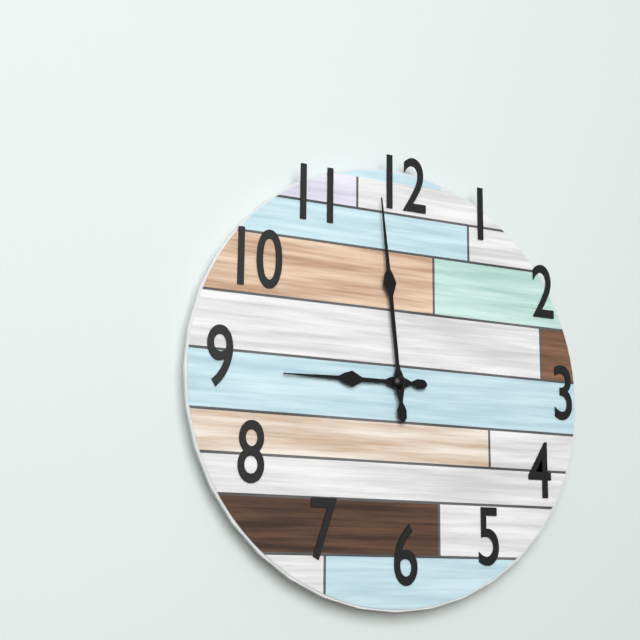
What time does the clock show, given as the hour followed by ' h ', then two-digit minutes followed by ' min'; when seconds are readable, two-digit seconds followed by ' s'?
8 h 59 min
